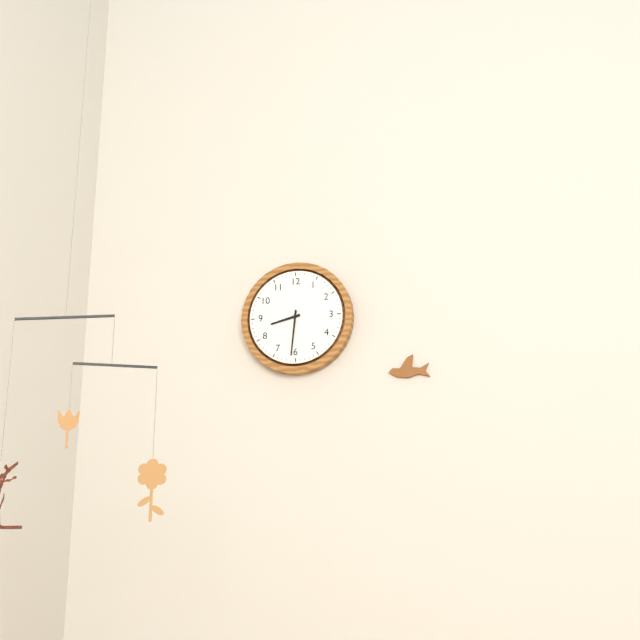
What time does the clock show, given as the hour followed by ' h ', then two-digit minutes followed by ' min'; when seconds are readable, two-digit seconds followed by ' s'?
8 h 31 min
